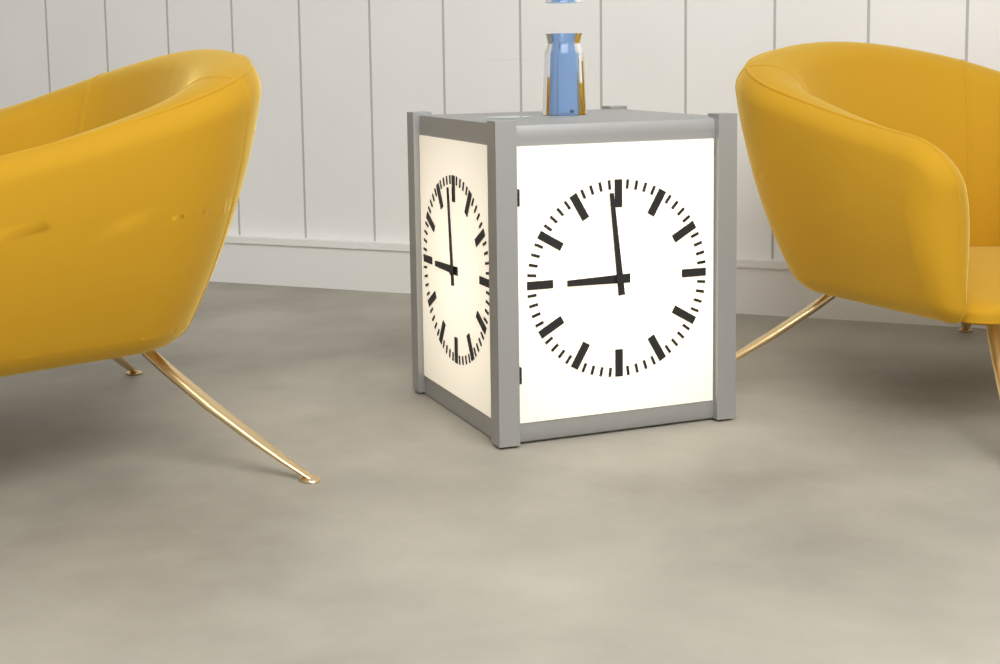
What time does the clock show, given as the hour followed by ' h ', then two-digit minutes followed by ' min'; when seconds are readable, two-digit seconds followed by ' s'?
8 h 59 min
